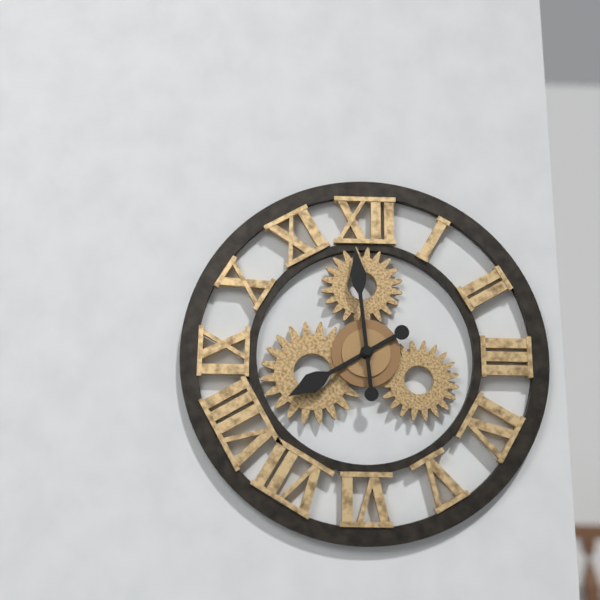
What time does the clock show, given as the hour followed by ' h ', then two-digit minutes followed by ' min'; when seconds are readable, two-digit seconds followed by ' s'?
7 h 59 min
